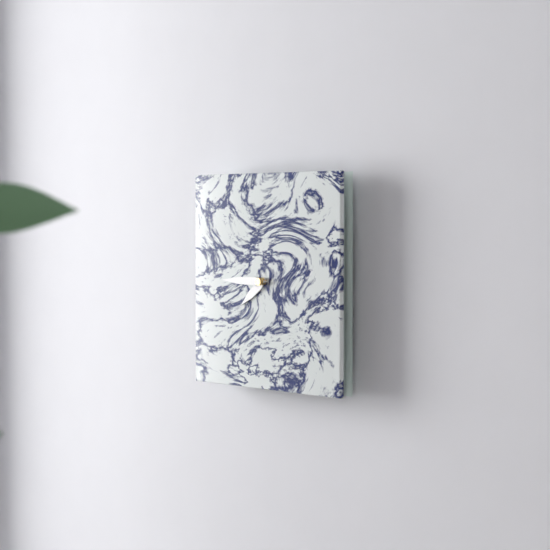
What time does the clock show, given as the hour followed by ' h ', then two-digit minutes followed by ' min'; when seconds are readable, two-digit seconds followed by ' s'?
7 h 45 min
